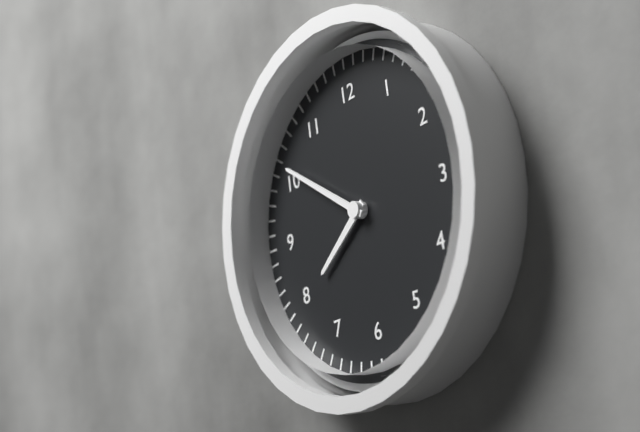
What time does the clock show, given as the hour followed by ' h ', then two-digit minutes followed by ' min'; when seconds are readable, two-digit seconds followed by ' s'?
7 h 51 min
